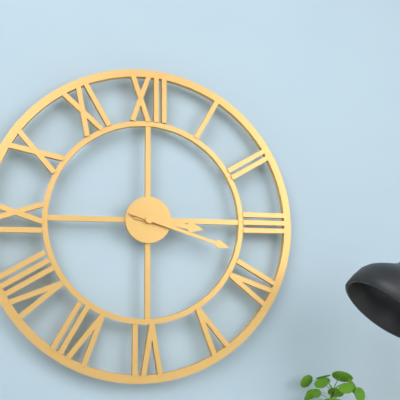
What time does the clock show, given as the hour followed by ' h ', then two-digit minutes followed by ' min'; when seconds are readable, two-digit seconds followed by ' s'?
3 h 18 min
